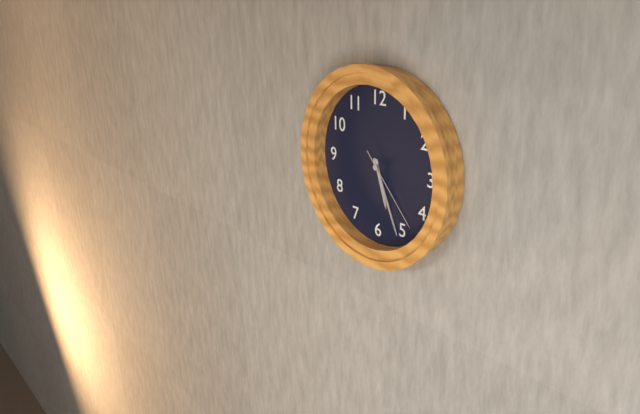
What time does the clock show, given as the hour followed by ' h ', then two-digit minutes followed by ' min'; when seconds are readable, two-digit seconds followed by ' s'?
5 h 26 min 23 s
